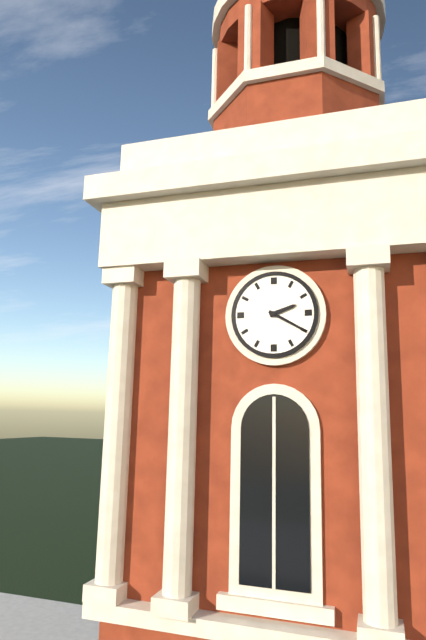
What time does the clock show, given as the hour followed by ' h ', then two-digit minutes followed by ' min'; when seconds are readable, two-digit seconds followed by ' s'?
2 h 20 min
